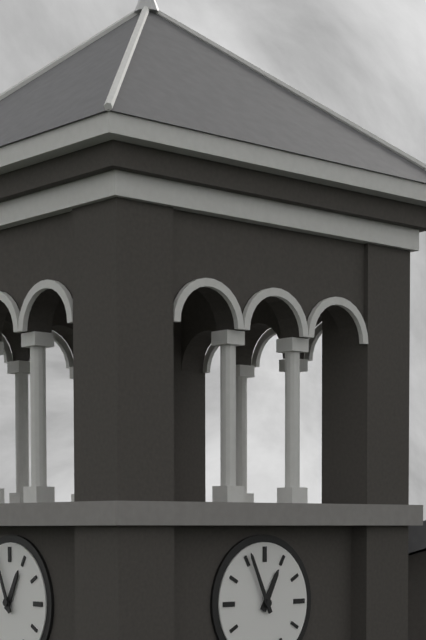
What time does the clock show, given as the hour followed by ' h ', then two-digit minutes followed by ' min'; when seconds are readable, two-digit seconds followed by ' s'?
12 h 56 min
